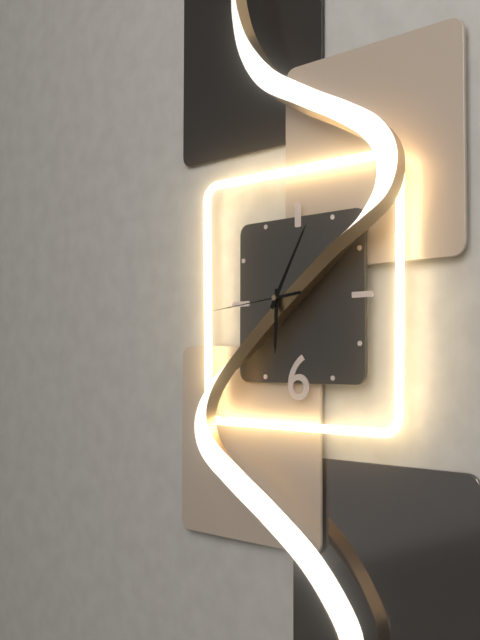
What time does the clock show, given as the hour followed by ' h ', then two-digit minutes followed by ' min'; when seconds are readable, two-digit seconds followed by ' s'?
6 h 05 min 44 s
